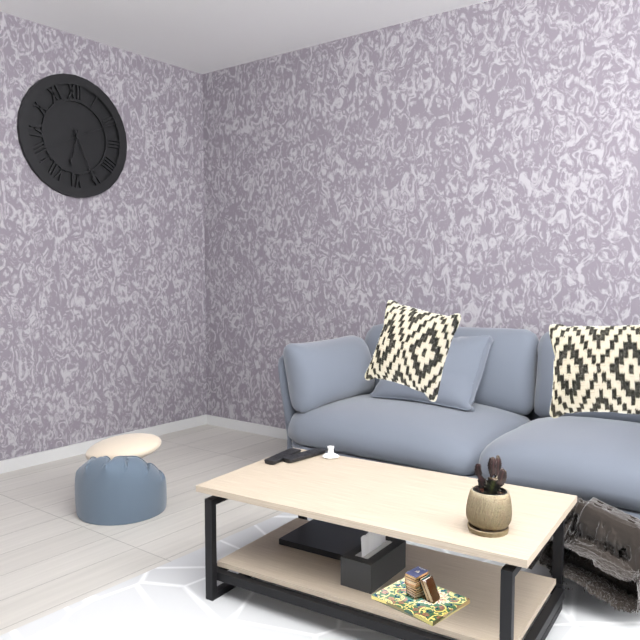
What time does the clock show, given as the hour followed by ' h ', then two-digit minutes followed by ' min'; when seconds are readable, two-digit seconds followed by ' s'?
6 h 26 min 11 s
